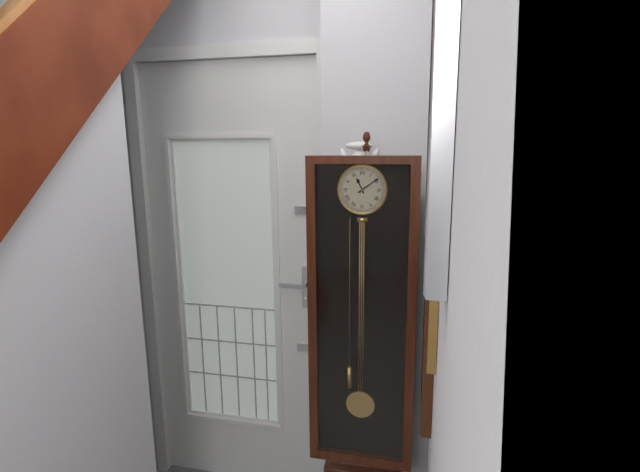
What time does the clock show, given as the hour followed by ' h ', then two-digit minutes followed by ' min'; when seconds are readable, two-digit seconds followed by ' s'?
11 h 09 min
